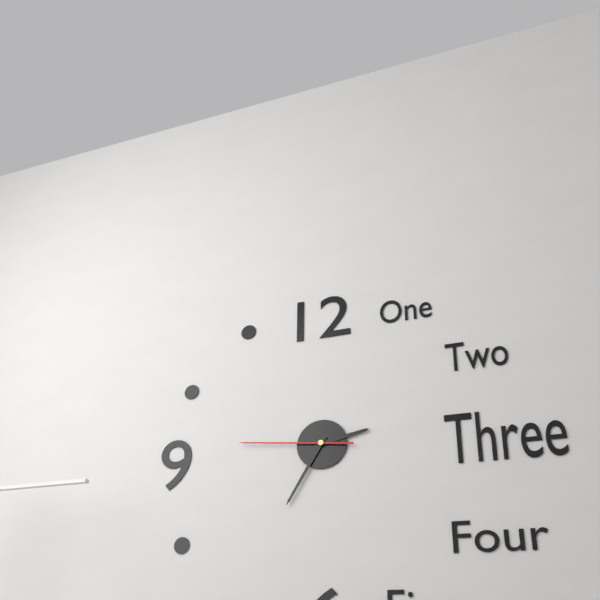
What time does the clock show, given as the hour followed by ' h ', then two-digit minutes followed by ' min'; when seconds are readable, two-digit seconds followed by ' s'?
2 h 35 min 46 s
